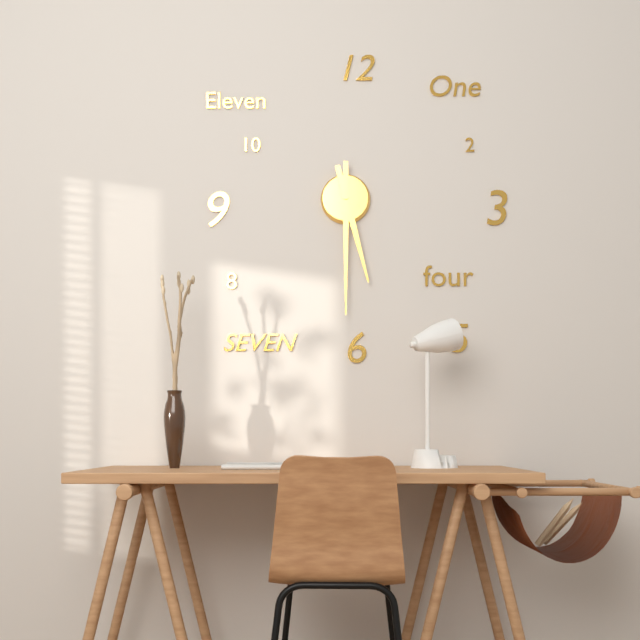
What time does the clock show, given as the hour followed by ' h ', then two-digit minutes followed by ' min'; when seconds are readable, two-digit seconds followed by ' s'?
5 h 30 min
